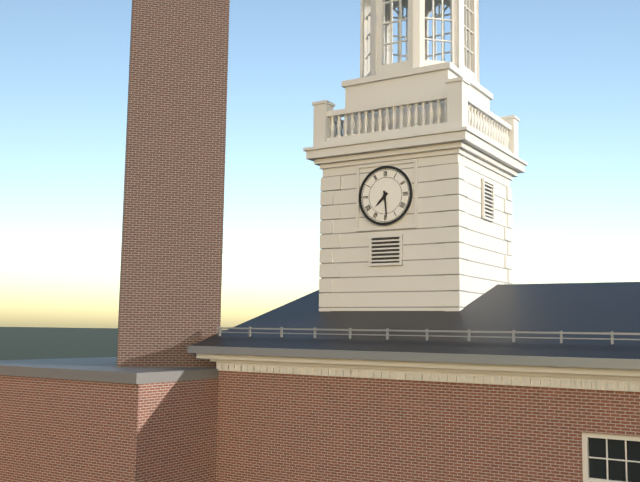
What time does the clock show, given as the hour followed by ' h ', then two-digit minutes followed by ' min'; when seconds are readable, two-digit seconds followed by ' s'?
7 h 29 min
